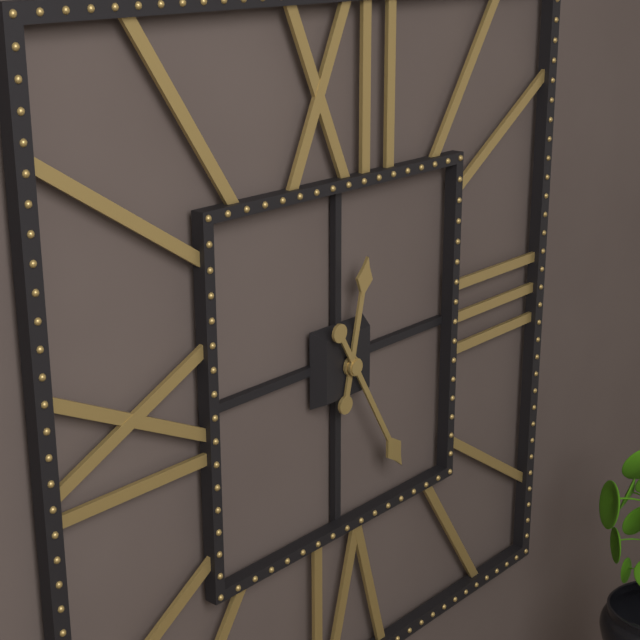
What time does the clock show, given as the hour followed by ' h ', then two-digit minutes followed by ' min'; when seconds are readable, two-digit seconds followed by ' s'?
12 h 25 min
